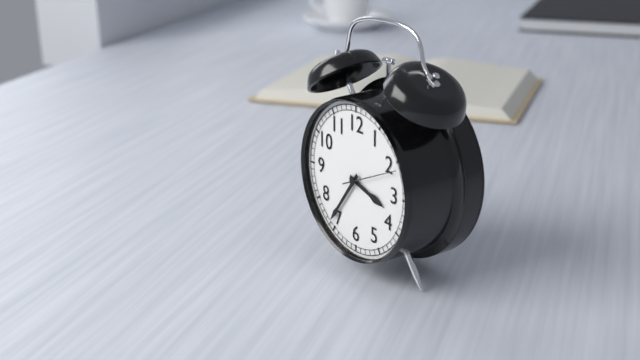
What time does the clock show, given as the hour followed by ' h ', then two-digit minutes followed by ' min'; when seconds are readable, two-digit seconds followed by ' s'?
3 h 36 min 11 s
